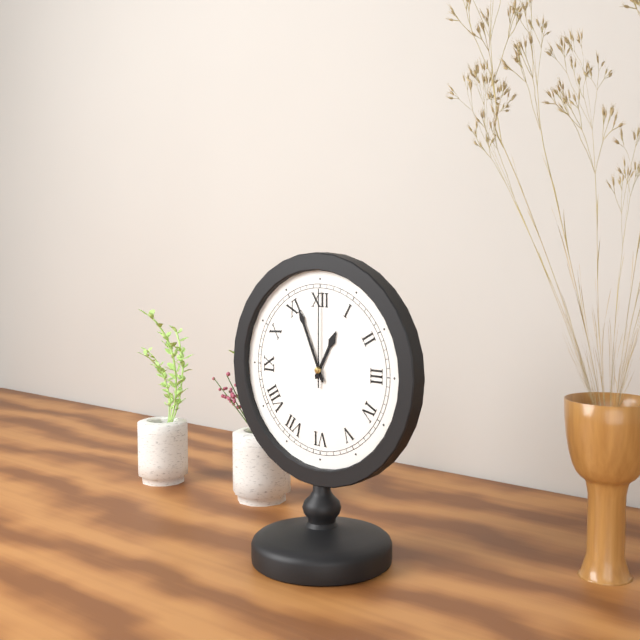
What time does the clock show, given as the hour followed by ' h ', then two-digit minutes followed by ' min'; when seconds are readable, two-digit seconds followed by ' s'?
12 h 56 min 00 s
